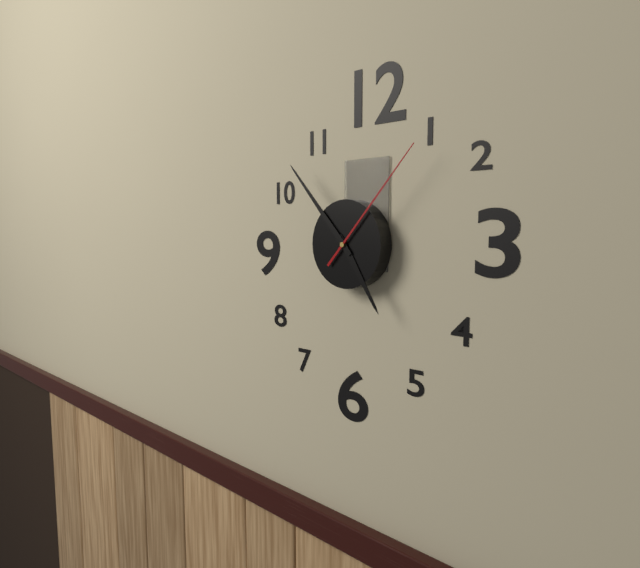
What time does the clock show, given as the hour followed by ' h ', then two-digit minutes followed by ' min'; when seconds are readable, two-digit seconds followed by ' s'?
4 h 53 min 07 s
